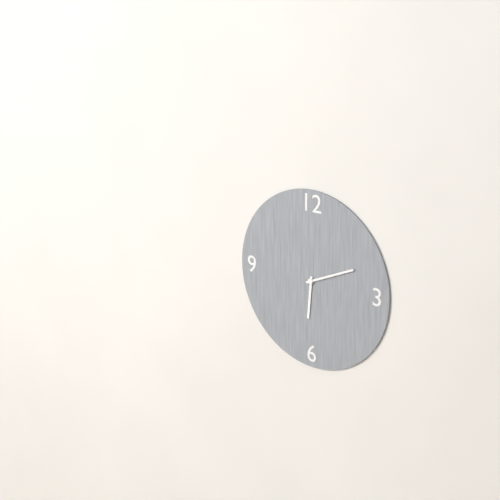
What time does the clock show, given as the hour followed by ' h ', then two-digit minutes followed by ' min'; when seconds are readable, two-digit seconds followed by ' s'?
6 h 11 min
